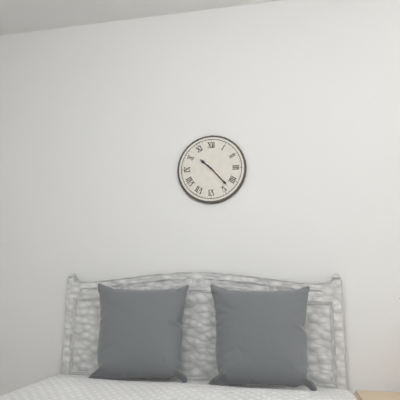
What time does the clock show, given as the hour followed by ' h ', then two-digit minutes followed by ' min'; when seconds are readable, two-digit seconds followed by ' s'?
10 h 23 min
